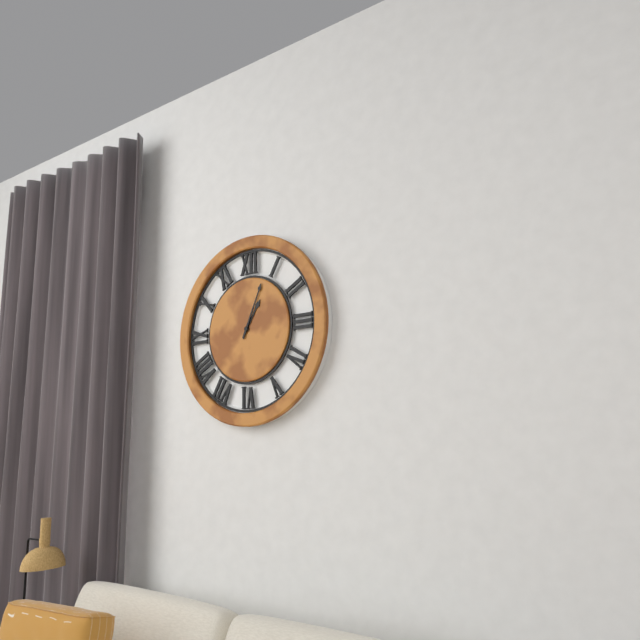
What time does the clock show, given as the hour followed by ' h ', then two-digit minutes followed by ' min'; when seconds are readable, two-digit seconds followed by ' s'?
1 h 04 min
